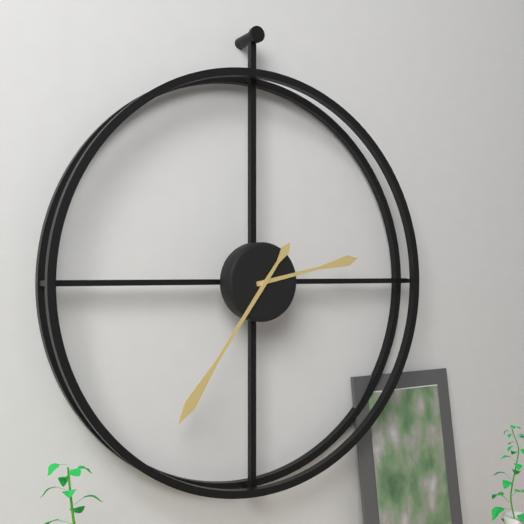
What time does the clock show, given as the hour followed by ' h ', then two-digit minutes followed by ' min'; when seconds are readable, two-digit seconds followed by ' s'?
2 h 36 min
